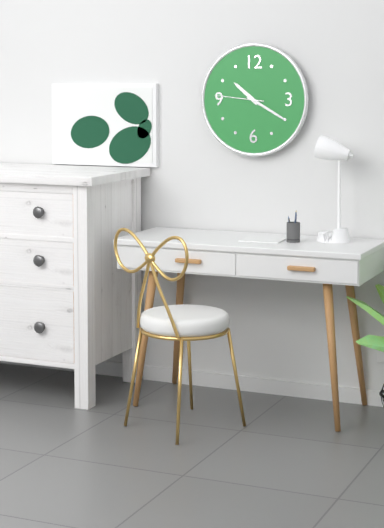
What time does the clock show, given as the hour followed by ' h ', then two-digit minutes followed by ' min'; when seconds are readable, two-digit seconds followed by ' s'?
10 h 20 min 46 s
